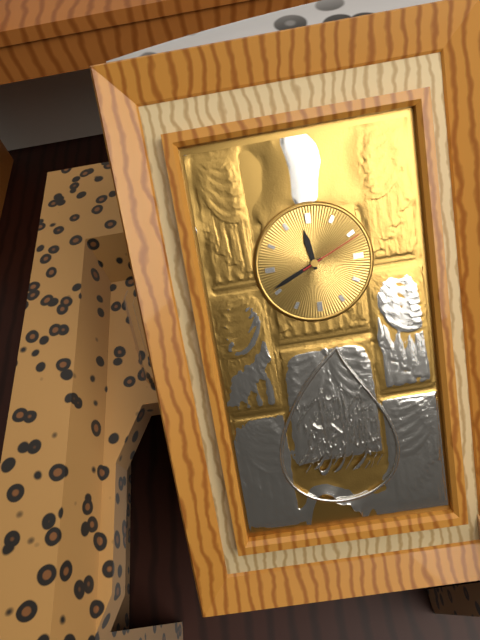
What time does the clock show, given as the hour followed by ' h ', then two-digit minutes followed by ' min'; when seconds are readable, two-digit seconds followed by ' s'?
11 h 41 min 11 s
